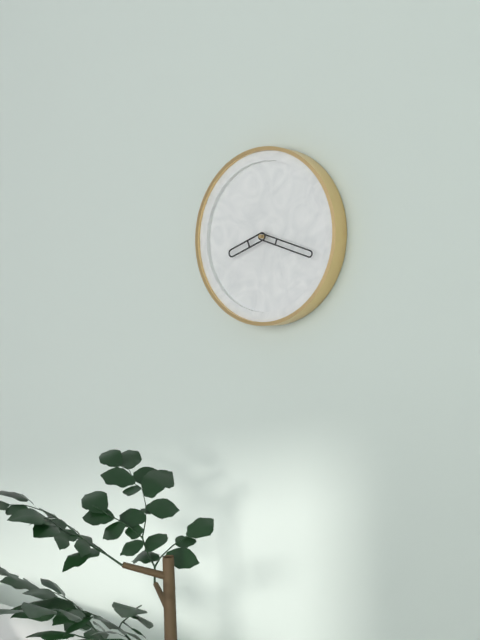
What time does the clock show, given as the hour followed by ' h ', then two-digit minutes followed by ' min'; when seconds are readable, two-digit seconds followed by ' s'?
8 h 18 min
